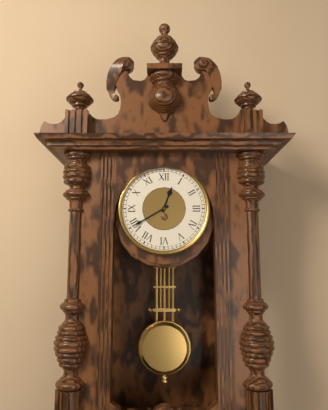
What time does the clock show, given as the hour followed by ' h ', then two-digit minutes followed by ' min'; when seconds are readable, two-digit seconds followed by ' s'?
12 h 40 min
